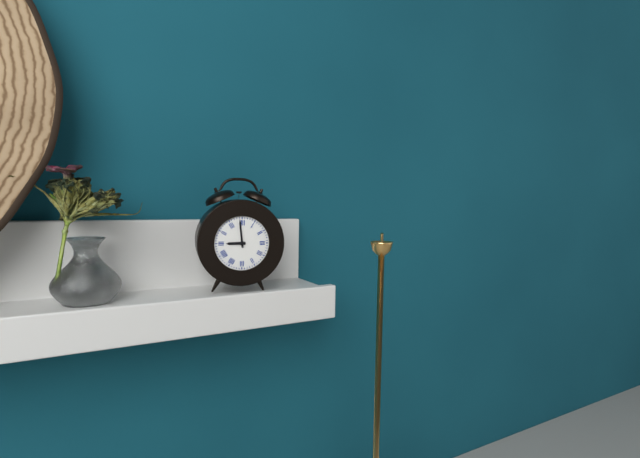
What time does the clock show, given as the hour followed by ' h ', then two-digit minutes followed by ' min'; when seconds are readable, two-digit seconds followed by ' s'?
8 h 59 min
